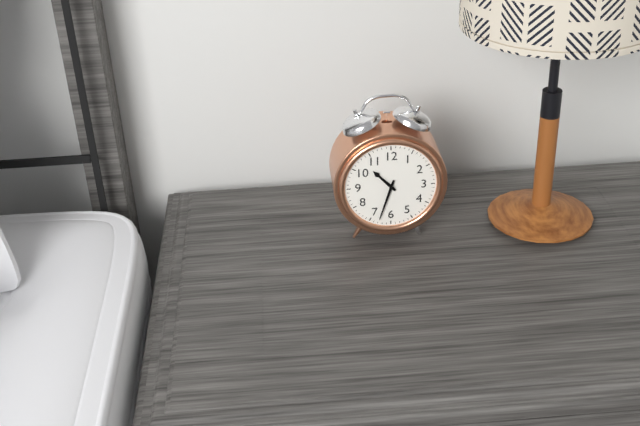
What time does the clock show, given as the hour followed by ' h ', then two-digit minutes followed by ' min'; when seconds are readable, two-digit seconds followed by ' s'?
10 h 33 min
